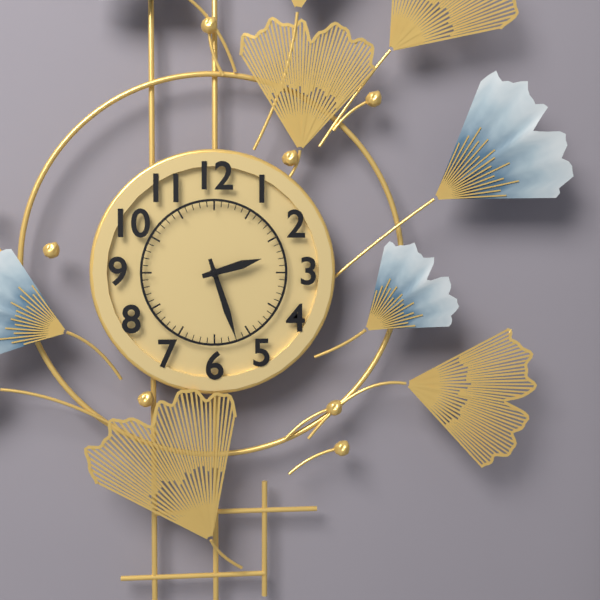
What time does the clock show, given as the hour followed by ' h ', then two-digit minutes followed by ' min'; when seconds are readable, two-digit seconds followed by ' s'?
2 h 27 min
